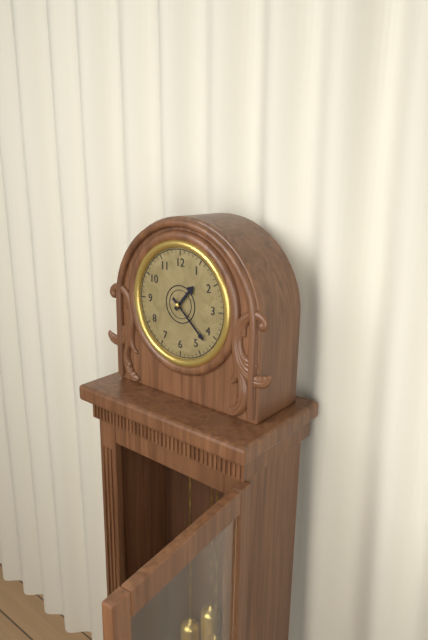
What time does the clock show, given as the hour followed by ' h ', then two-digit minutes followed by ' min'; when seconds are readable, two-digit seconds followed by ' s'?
1 h 22 min
